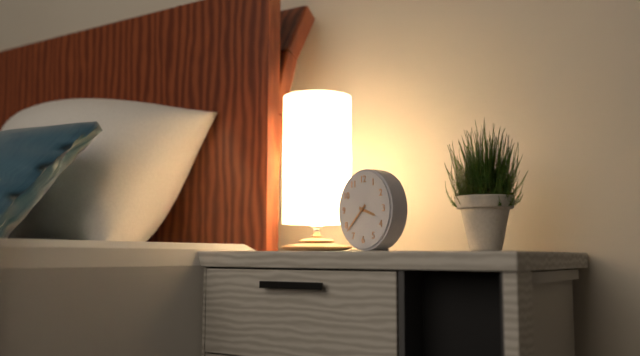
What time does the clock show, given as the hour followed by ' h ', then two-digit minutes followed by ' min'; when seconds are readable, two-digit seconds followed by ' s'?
3 h 38 min
